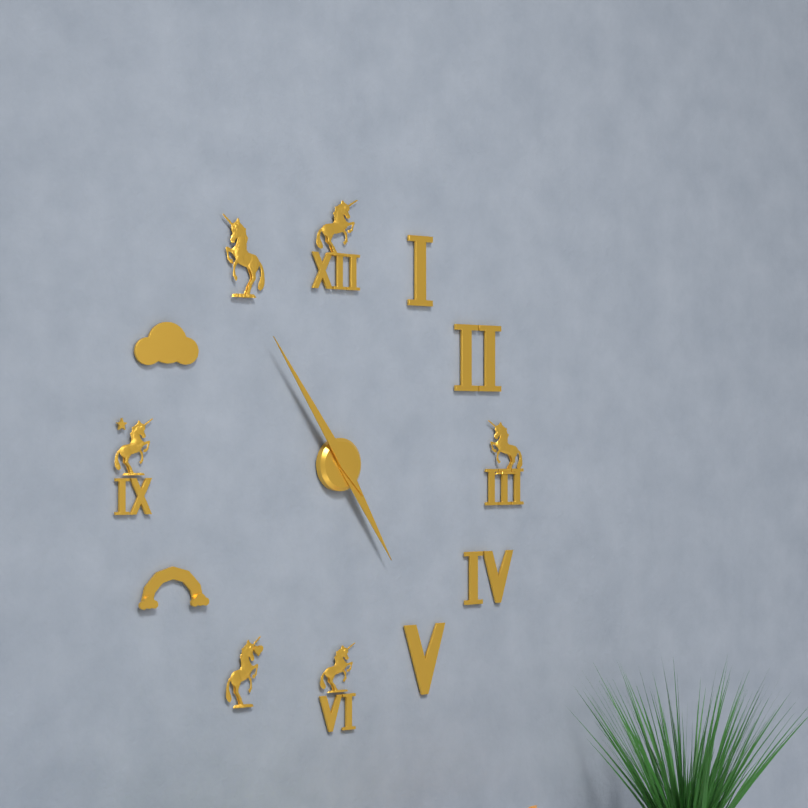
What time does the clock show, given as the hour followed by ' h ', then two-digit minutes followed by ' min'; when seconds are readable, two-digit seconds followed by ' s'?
4 h 54 min
